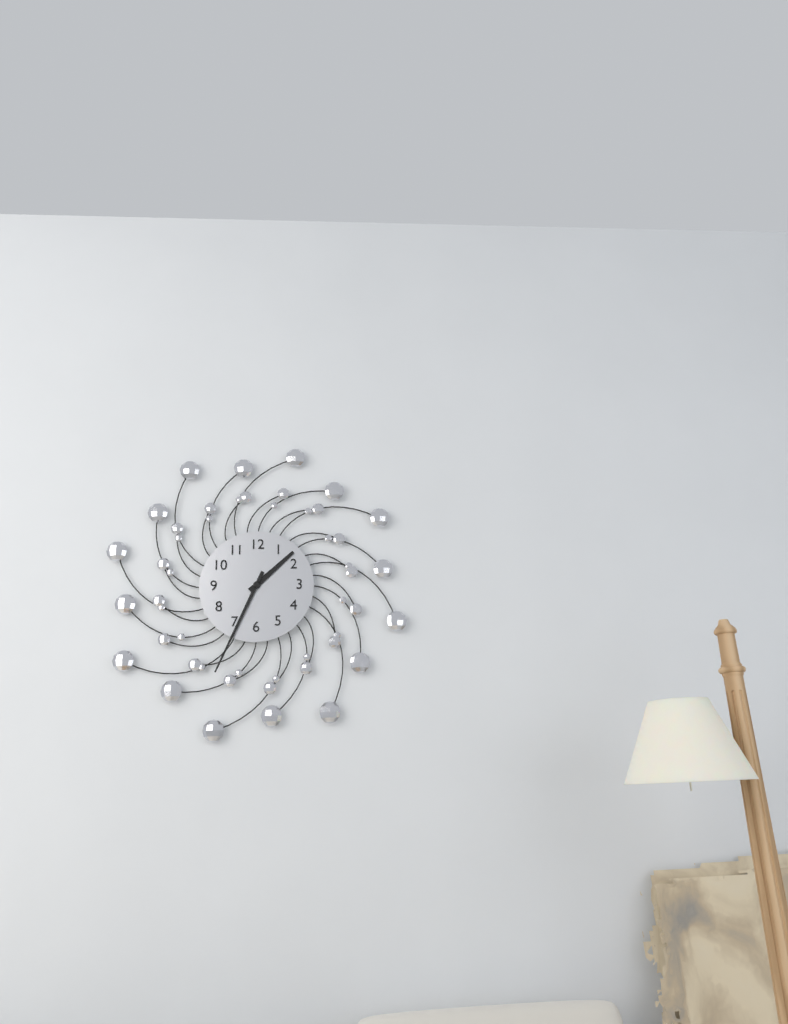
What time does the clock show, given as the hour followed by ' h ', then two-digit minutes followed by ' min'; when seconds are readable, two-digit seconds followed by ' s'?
1 h 34 min
